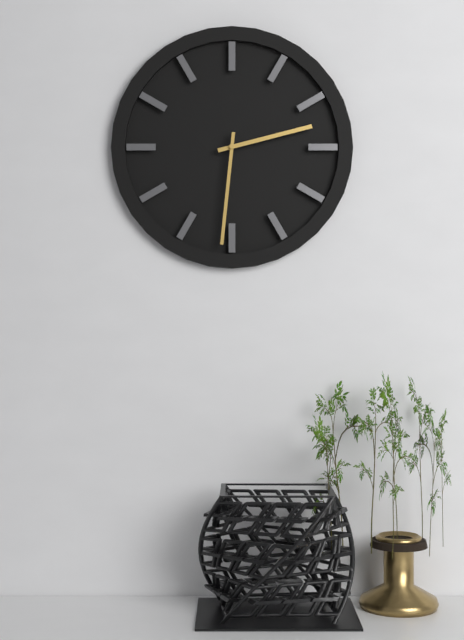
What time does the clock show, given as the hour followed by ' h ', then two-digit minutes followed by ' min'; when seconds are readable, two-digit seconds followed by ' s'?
2 h 31 min
